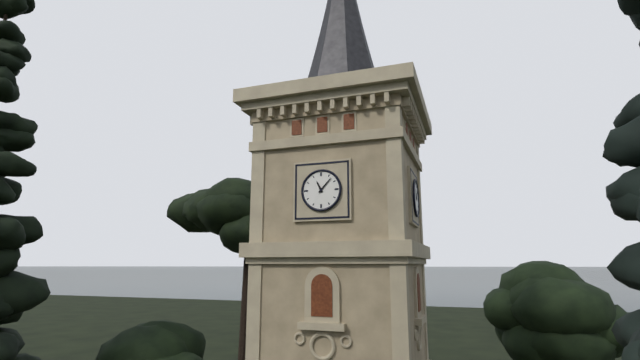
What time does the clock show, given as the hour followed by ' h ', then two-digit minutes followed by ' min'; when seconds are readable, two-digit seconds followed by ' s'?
11 h 07 min
